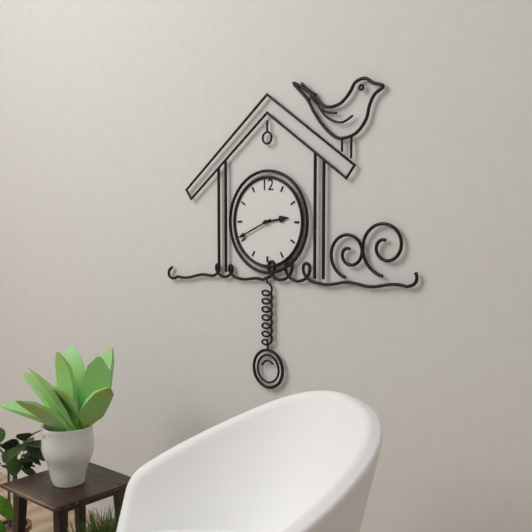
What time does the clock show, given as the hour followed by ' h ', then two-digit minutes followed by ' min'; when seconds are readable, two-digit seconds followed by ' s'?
2 h 41 min
